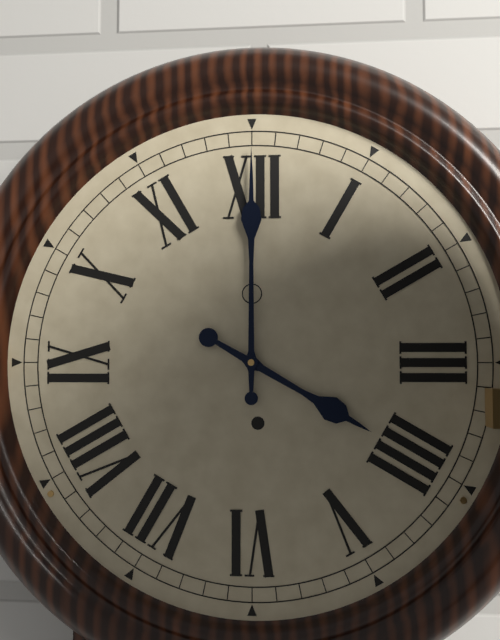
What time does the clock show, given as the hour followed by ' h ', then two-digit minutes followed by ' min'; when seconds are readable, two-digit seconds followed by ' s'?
4 h 00 min
